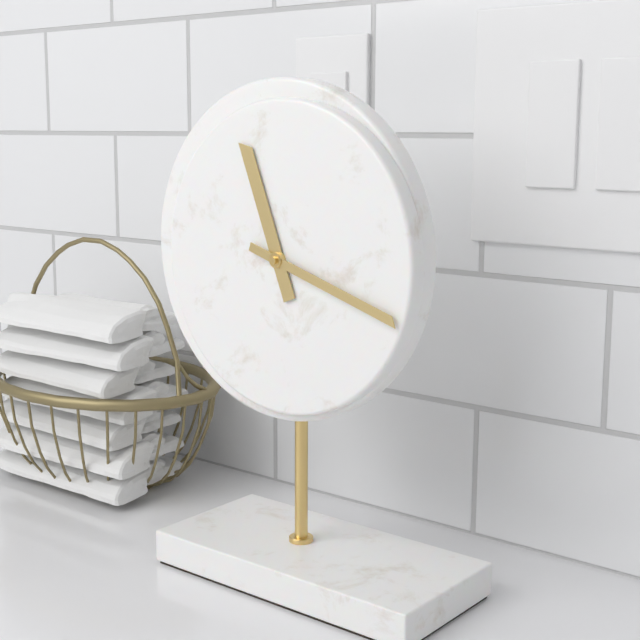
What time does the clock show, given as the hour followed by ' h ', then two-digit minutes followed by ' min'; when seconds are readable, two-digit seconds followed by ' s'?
11 h 18 min
